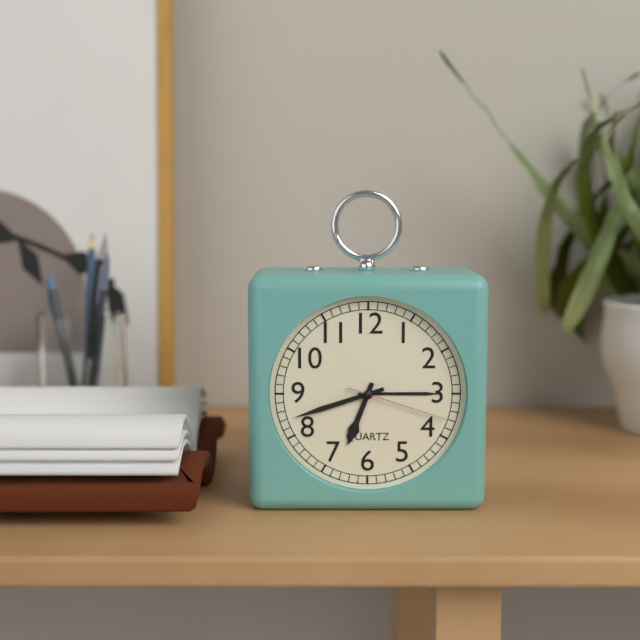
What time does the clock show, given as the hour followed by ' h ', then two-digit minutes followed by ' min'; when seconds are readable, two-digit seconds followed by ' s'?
6 h 42 min 18 s
